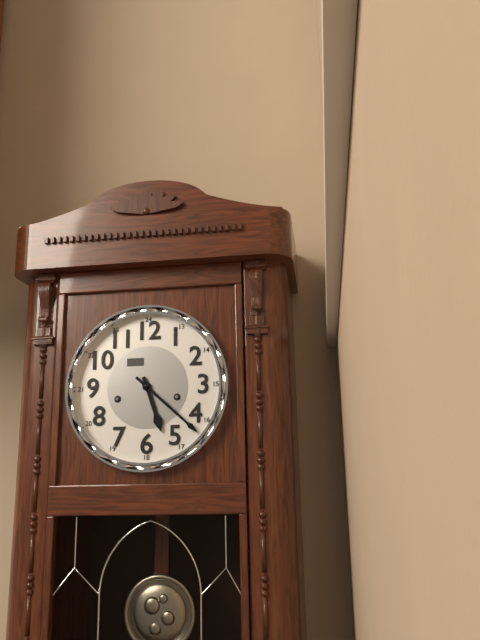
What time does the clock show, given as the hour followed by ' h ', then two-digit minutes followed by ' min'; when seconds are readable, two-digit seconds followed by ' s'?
5 h 22 min
